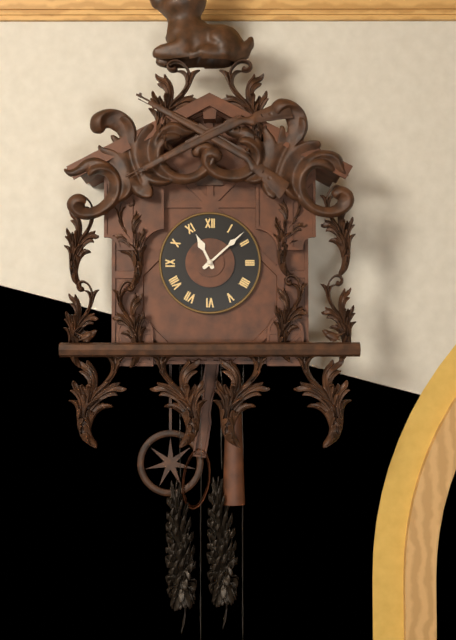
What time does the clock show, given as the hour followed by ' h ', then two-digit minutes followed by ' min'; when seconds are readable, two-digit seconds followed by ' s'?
11 h 08 min
